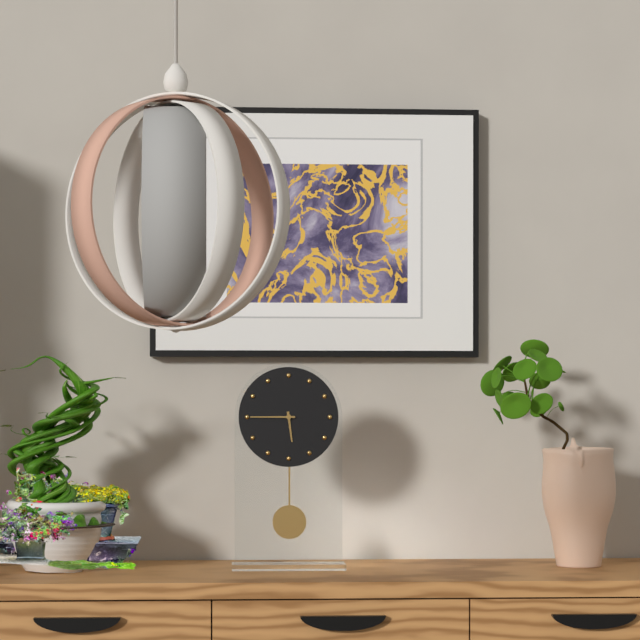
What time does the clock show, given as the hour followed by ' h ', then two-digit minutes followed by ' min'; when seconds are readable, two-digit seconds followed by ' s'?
5 h 45 min
